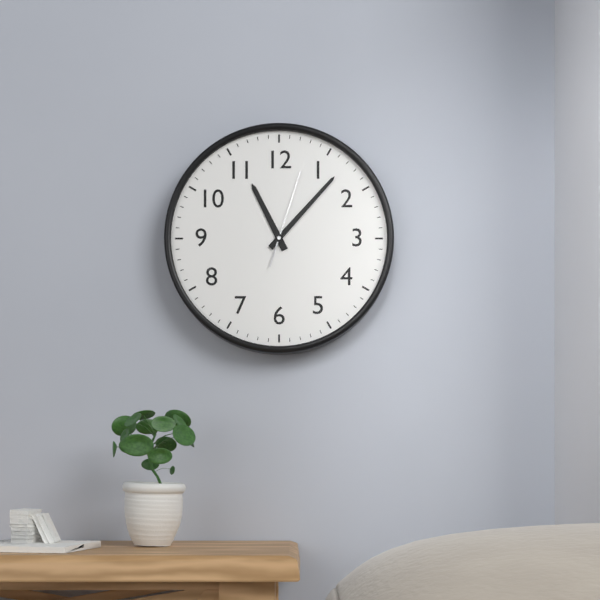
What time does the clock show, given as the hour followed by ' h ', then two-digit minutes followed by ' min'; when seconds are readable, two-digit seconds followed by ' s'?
11 h 07 min 03 s
